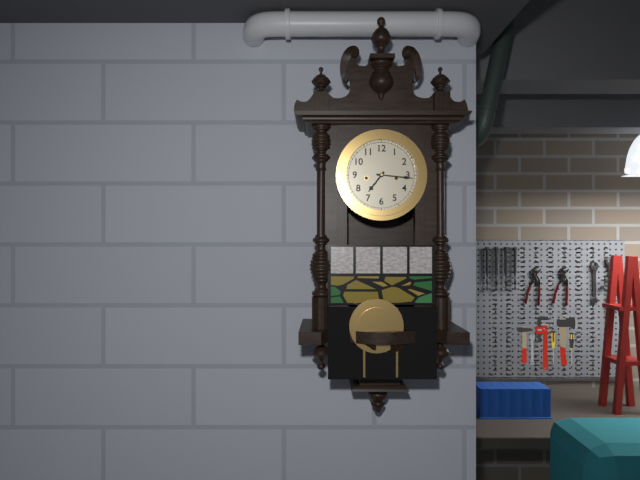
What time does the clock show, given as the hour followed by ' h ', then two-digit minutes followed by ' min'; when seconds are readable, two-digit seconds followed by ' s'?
7 h 16 min
